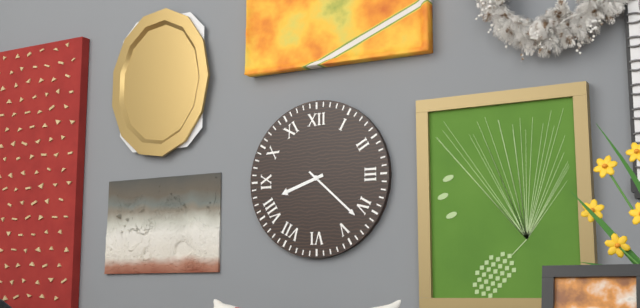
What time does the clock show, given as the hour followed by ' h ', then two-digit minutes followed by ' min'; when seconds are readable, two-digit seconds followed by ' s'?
8 h 22 min
